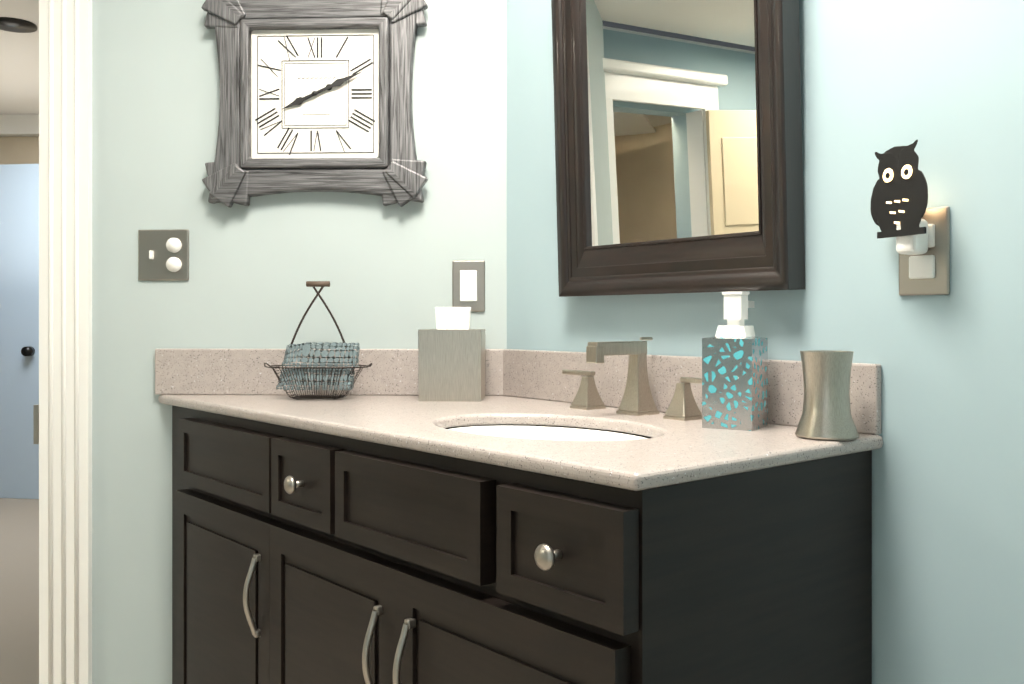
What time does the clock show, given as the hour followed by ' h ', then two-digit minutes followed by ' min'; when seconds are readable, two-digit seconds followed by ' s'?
8 h 11 min
